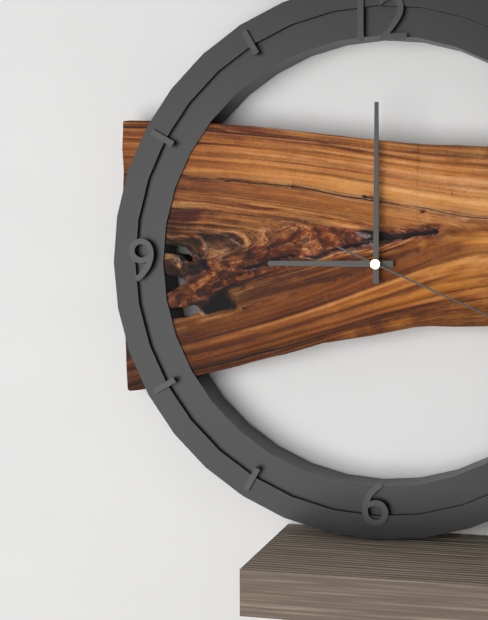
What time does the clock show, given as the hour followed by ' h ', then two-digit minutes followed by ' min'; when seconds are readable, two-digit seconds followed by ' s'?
9 h 00 min
